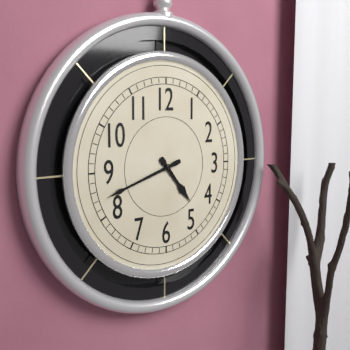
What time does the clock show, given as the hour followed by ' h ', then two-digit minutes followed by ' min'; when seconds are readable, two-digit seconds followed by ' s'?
4 h 42 min
